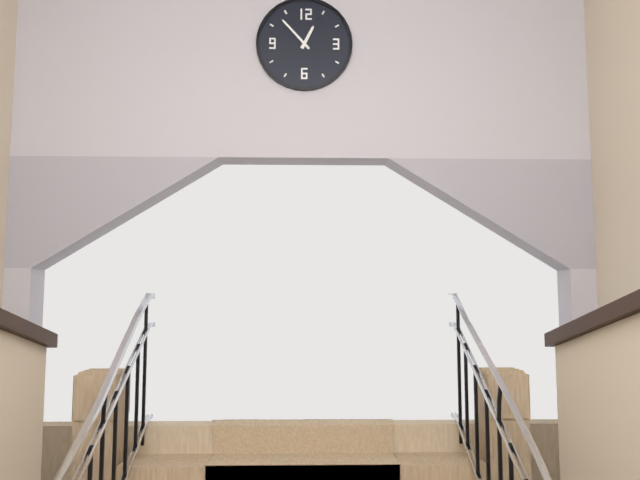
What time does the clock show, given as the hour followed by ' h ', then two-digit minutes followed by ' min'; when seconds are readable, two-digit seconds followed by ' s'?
12 h 53 min
